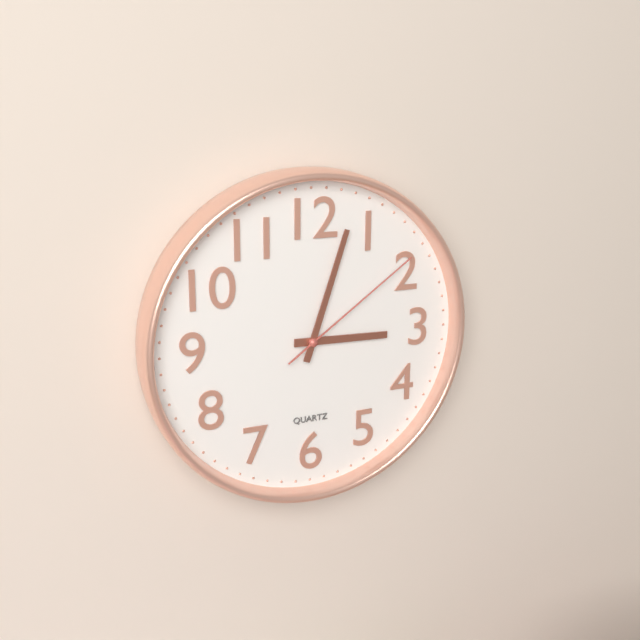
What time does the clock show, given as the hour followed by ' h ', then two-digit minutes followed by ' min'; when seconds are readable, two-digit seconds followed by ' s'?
3 h 03 min 09 s
